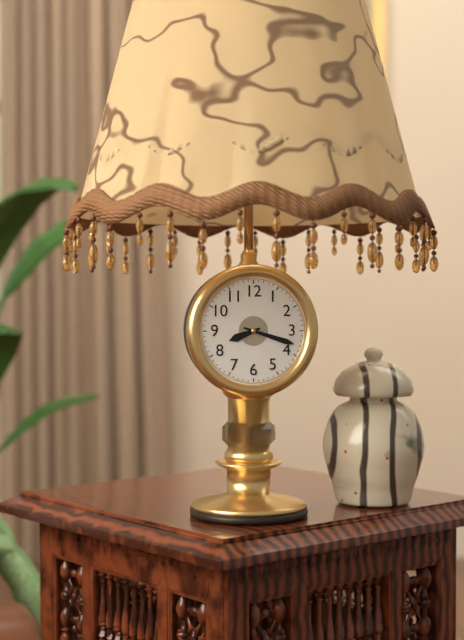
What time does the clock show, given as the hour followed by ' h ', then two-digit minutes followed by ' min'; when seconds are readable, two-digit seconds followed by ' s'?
8 h 18 min
